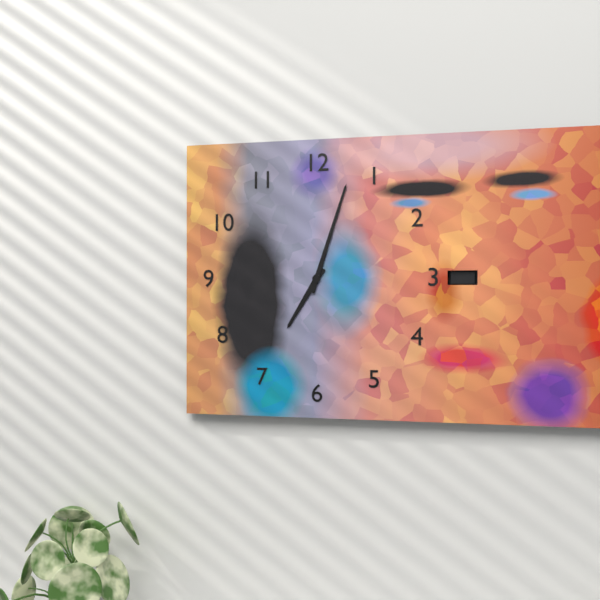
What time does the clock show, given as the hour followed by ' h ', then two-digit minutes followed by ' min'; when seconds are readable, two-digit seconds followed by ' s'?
7 h 03 min
